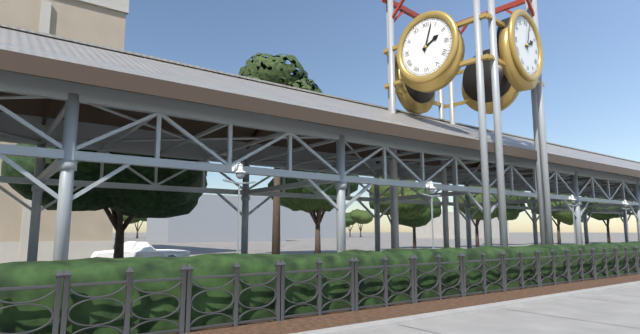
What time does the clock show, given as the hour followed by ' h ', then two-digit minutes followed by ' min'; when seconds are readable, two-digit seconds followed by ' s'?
2 h 03 min
